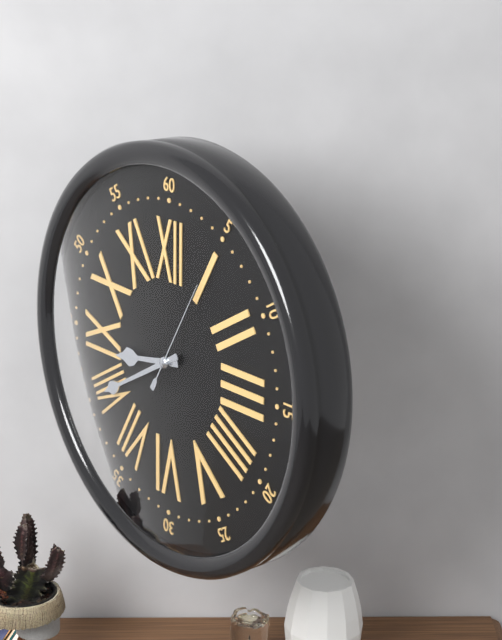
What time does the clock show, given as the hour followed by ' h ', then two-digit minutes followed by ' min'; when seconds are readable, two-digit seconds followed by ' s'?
8 h 40 min 05 s
